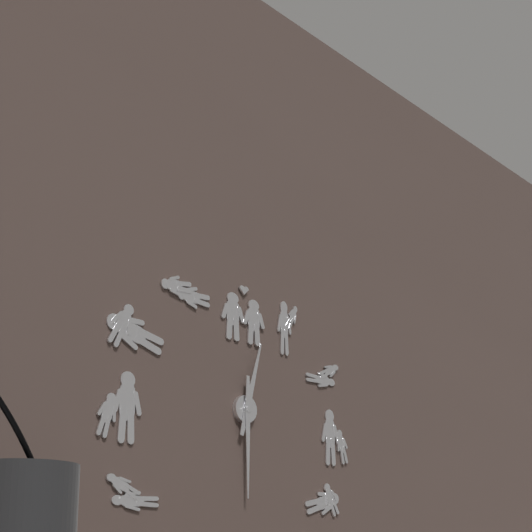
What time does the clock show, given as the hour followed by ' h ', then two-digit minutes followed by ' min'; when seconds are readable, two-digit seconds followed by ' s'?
12 h 30 min
